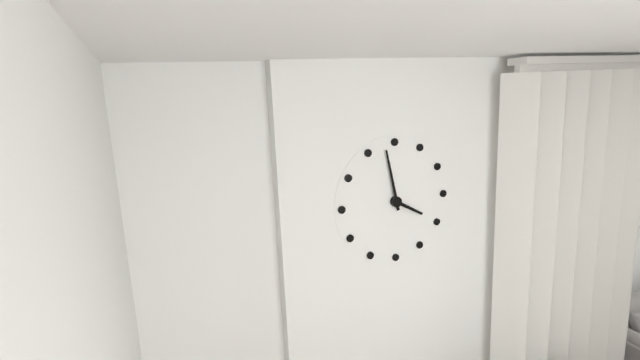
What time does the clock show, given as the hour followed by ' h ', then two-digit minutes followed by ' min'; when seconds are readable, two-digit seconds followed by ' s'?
3 h 58 min
